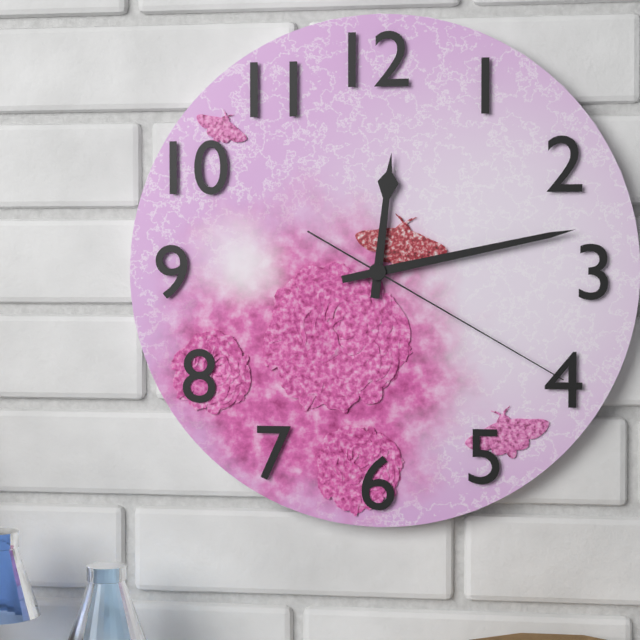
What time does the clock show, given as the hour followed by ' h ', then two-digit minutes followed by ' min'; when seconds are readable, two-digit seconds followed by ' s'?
12 h 13 min 20 s
